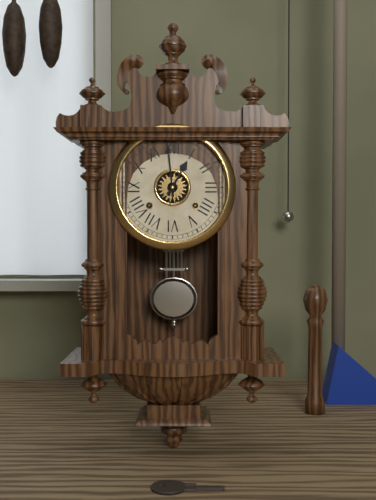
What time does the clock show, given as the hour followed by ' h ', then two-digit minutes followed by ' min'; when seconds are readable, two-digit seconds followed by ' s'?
12 h 59 min
